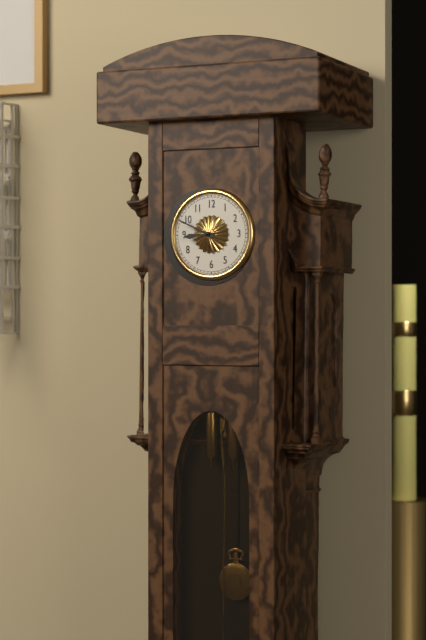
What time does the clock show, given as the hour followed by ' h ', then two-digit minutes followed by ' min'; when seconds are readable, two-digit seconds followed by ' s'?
8 h 49 min
